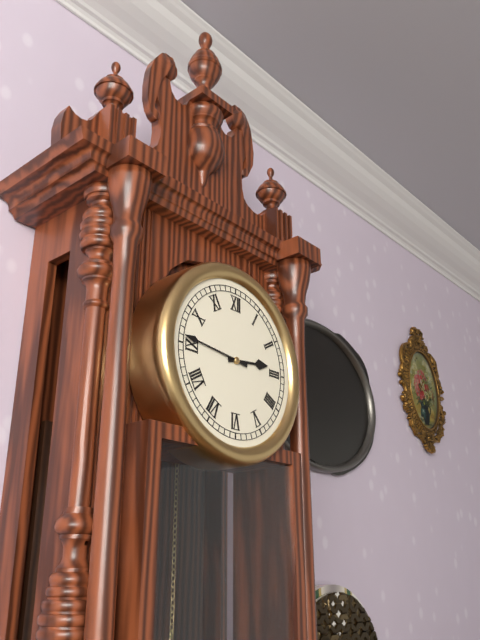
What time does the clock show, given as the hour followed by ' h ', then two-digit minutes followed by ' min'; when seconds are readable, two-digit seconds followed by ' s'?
2 h 46 min
